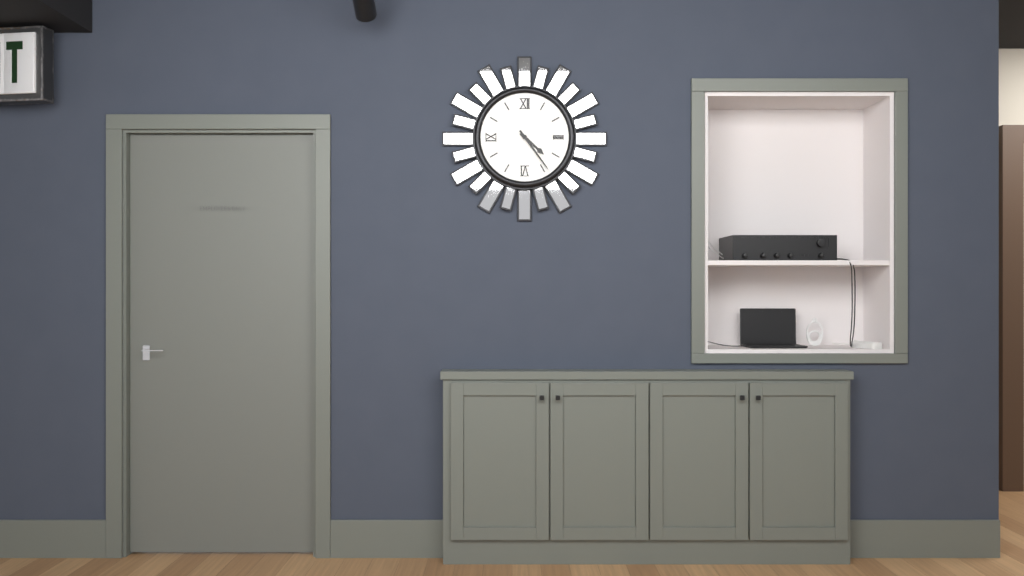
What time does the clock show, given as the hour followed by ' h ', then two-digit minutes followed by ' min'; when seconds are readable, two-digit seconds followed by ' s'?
4 h 24 min
